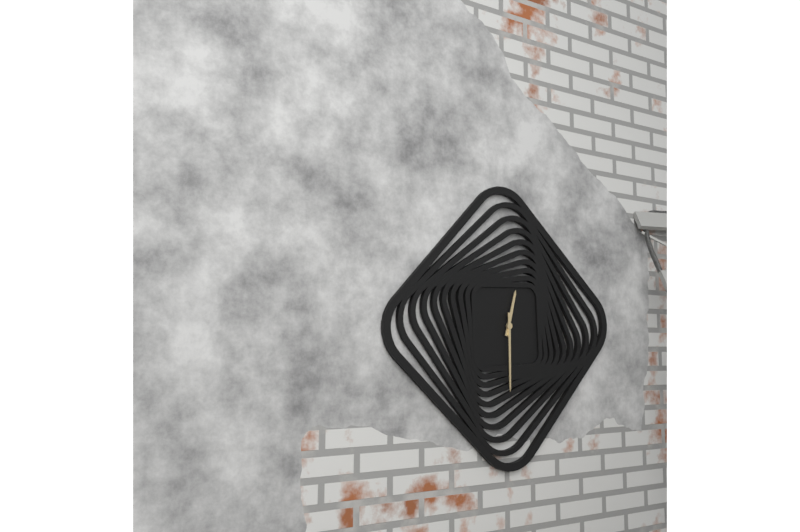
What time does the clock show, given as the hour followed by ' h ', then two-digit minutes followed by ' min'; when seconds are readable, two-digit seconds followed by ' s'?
12 h 30 min
